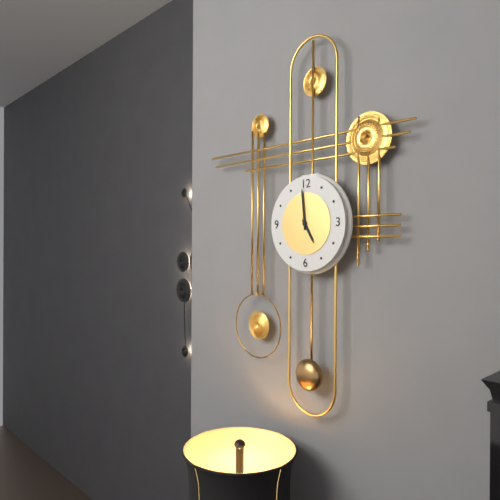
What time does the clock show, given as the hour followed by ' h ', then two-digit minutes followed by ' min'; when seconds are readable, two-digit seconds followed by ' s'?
4 h 59 min
